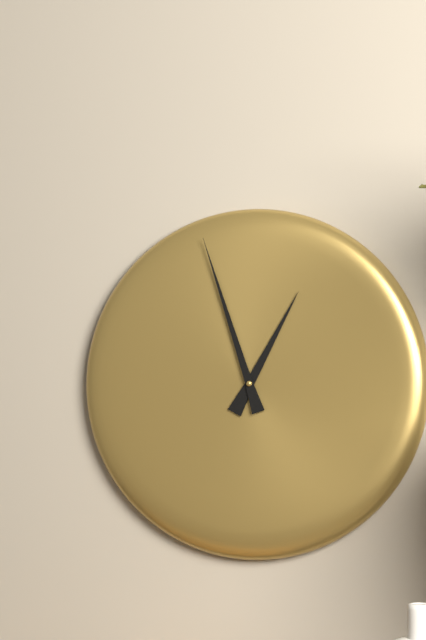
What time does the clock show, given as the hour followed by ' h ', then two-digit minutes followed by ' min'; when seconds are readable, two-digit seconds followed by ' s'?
12 h 57 min
